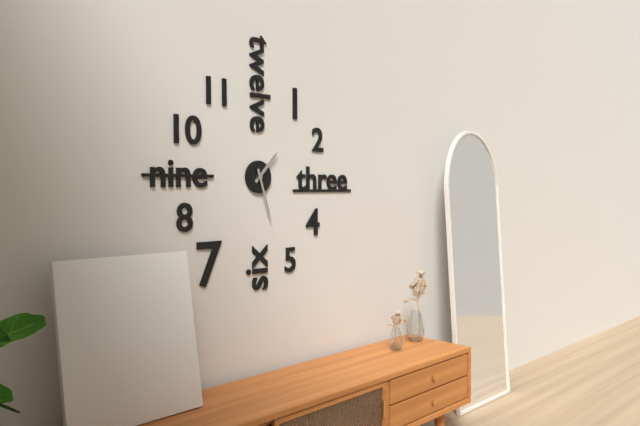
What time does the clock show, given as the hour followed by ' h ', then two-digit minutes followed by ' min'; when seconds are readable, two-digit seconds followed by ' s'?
1 h 27 min
